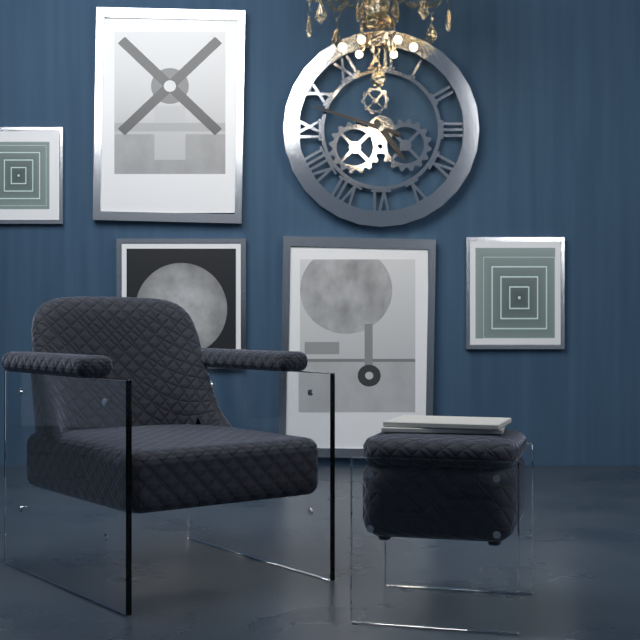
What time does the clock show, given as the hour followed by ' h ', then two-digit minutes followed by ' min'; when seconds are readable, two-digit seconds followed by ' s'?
4 h 48 min
